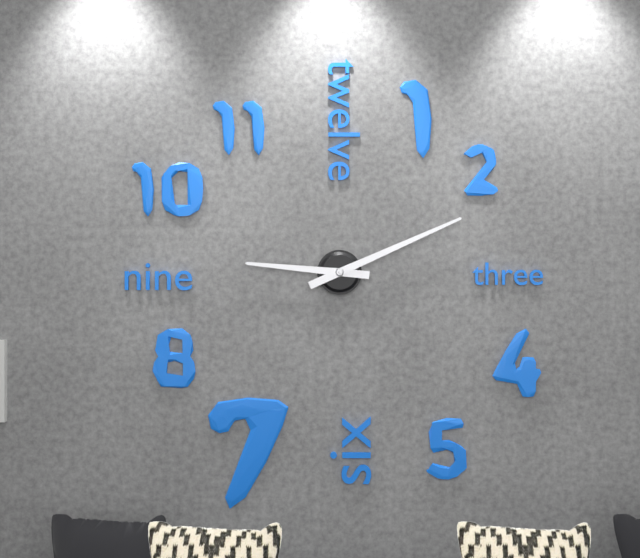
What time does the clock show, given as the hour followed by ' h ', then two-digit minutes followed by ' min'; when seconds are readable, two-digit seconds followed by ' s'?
9 h 11 min
